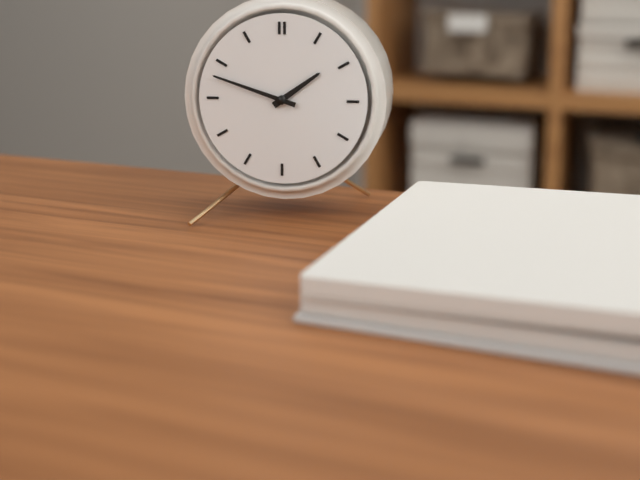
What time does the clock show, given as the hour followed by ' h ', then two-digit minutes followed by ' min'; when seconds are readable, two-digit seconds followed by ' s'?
1 h 48 min
